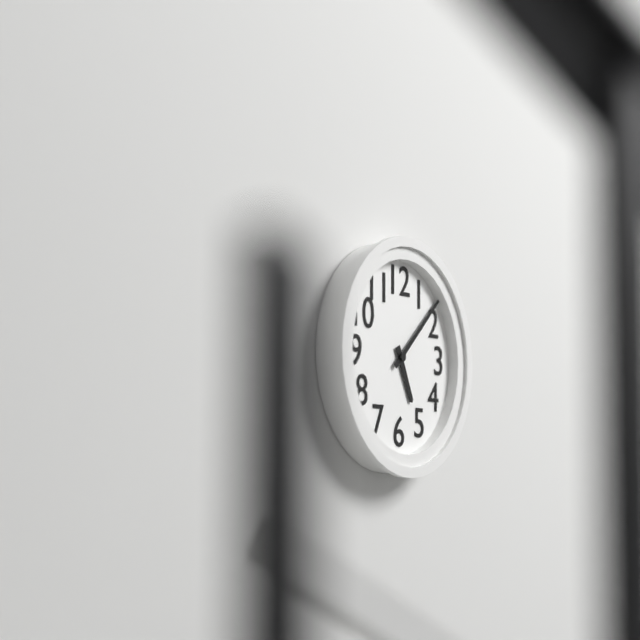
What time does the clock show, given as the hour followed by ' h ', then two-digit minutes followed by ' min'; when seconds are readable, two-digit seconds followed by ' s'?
5 h 08 min
